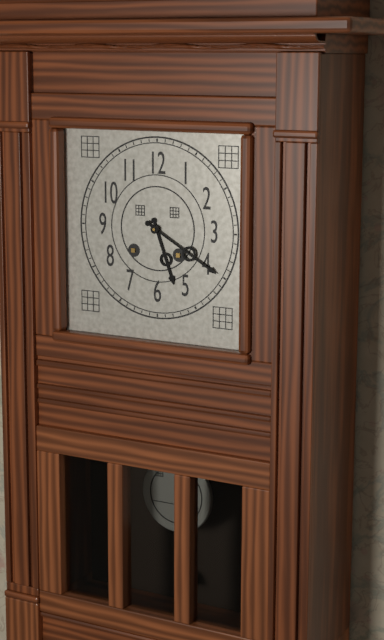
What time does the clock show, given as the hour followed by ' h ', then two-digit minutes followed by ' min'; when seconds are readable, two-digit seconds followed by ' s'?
5 h 20 min
